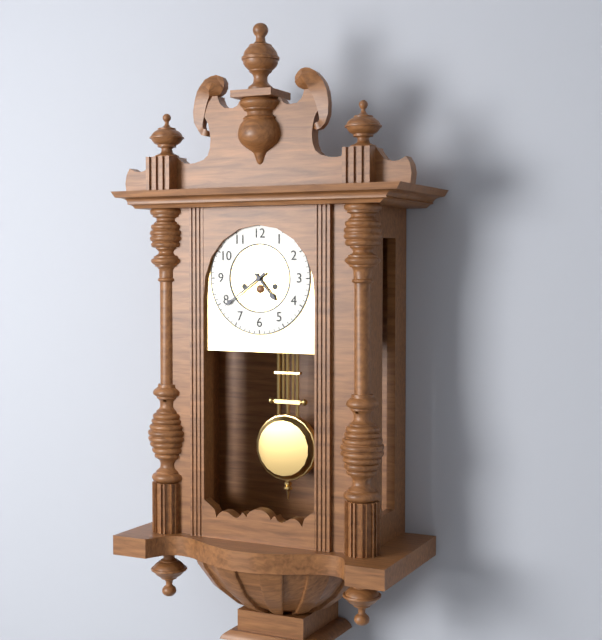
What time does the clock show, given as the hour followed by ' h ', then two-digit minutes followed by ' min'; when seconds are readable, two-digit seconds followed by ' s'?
4 h 39 min
